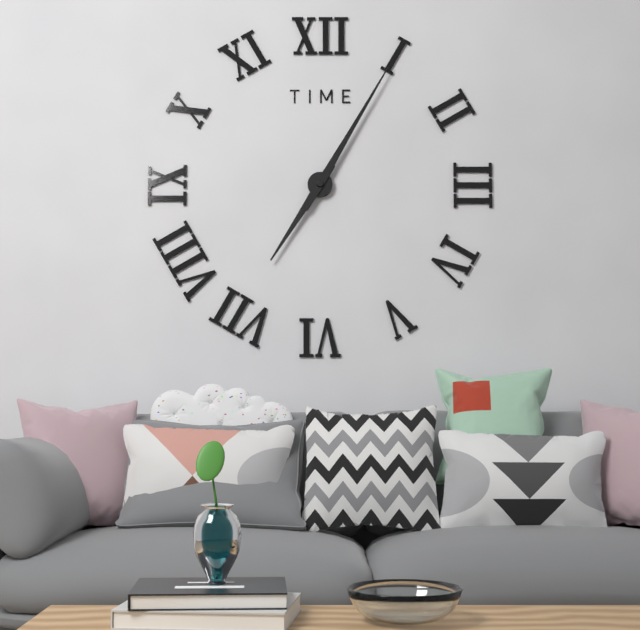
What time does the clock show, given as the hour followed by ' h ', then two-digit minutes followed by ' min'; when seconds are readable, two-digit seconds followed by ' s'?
7 h 05 min
